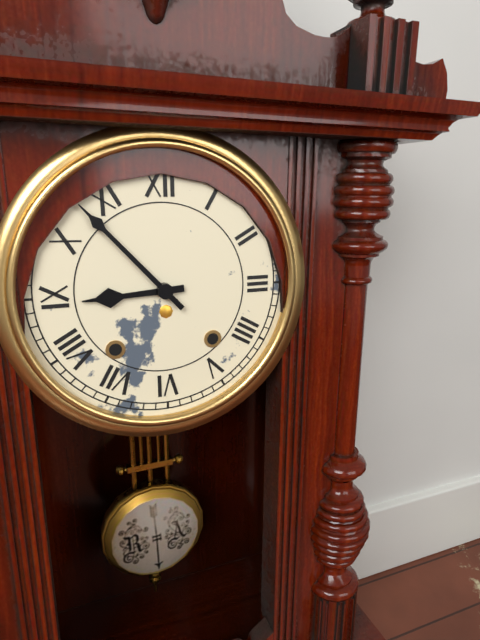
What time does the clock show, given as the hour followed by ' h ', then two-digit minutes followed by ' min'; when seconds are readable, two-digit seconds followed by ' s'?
8 h 53 min
